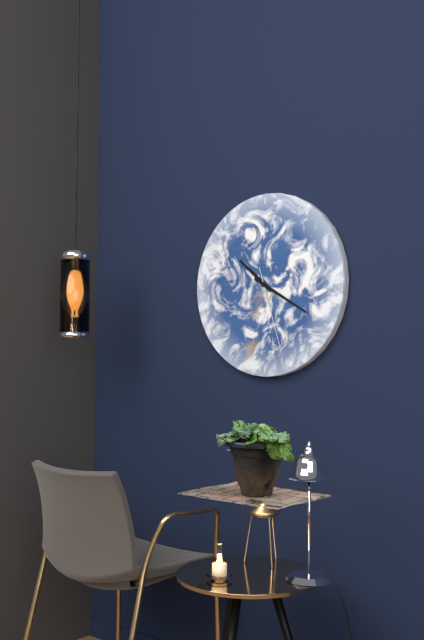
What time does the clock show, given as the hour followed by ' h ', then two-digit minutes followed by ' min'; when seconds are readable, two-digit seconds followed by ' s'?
10 h 20 min 27 s
